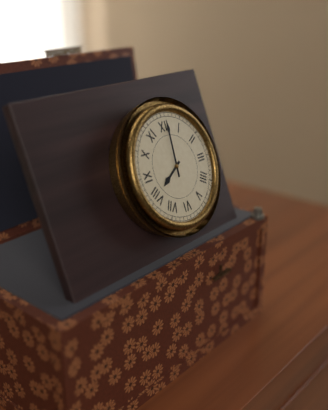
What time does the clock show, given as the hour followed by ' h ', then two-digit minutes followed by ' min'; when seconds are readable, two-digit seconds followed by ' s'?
8 h 01 min
